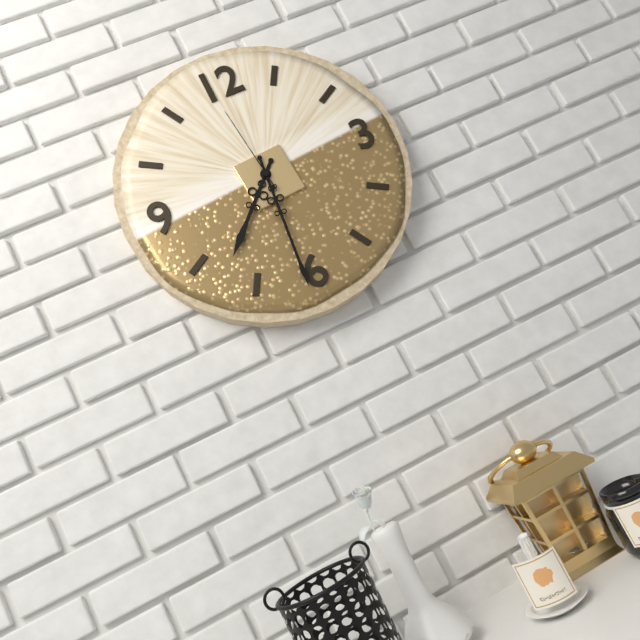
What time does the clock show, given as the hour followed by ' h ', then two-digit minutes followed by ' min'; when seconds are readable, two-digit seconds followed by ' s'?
7 h 31 min 59 s
